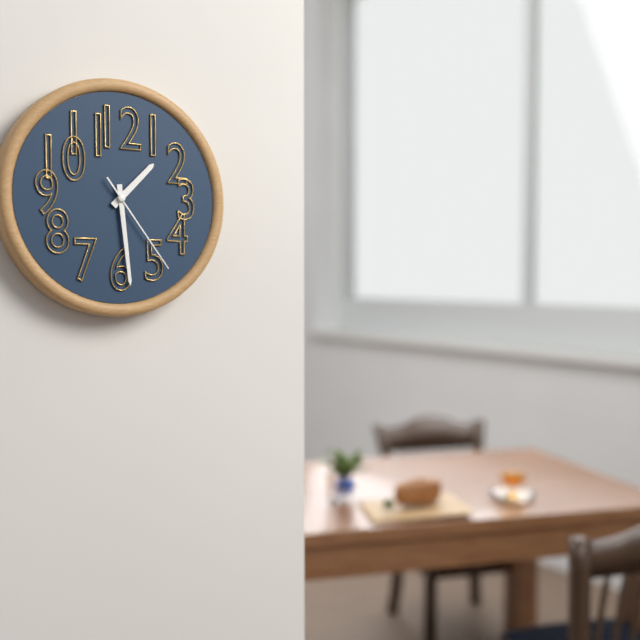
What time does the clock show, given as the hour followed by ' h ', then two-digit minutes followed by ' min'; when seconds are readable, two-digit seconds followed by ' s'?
1 h 29 min 24 s
